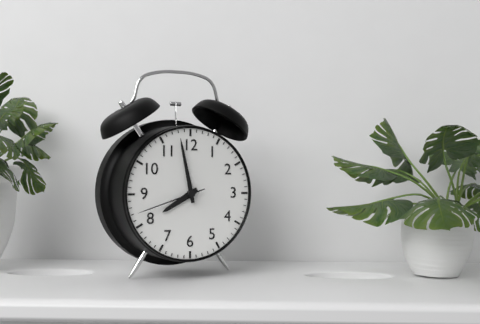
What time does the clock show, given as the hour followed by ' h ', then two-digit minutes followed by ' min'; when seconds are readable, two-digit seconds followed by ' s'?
7 h 58 min 42 s
